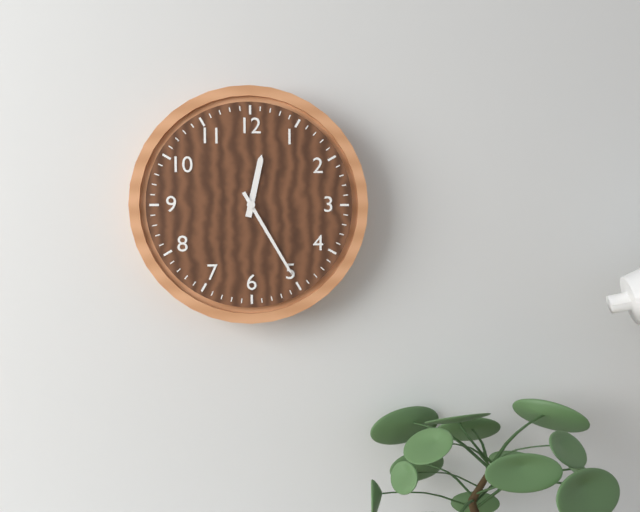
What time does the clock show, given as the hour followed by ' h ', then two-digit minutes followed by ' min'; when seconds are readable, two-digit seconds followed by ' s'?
12 h 25 min
